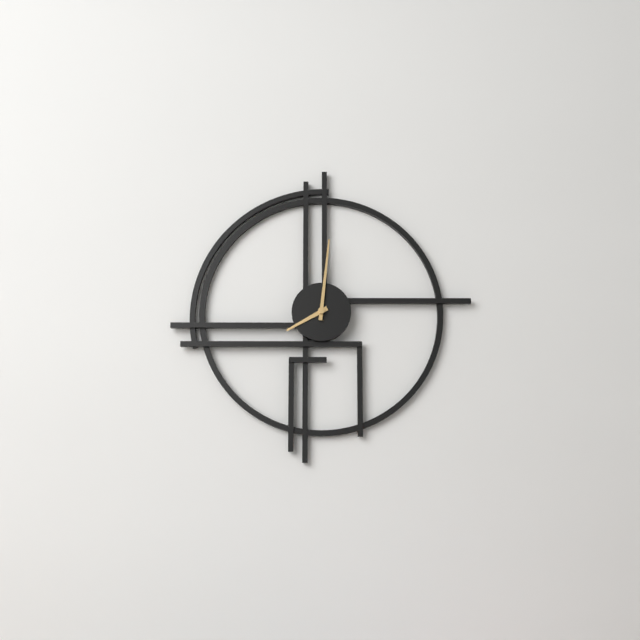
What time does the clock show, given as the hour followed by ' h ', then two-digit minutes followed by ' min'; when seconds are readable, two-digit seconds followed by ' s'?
8 h 01 min
